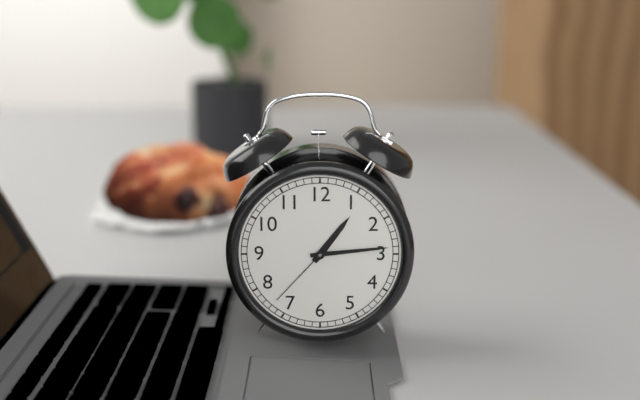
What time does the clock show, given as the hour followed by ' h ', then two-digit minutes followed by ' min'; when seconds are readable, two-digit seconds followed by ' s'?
1 h 14 min 37 s
